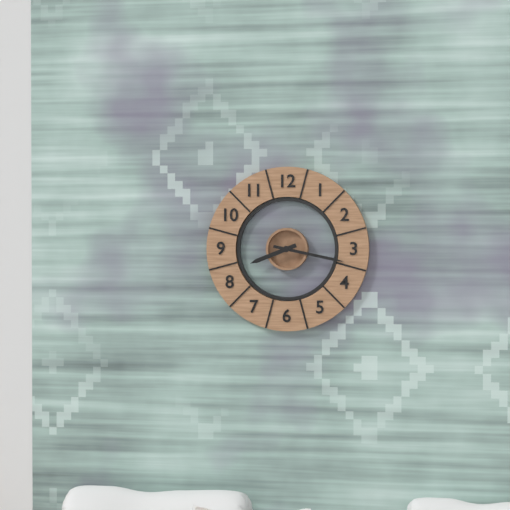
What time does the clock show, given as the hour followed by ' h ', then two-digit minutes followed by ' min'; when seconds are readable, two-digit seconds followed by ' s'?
8 h 17 min
